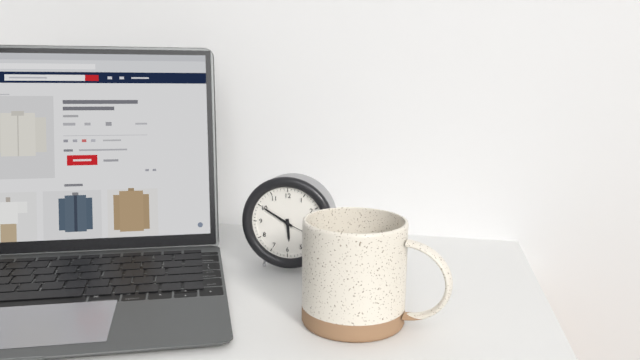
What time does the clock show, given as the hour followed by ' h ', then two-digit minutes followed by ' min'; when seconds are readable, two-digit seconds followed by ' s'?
5 h 50 min
